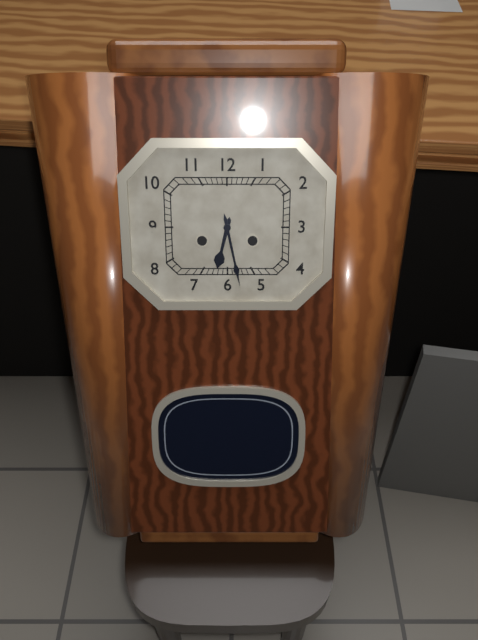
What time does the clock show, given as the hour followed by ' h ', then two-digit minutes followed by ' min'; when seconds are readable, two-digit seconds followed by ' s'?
6 h 28 min
